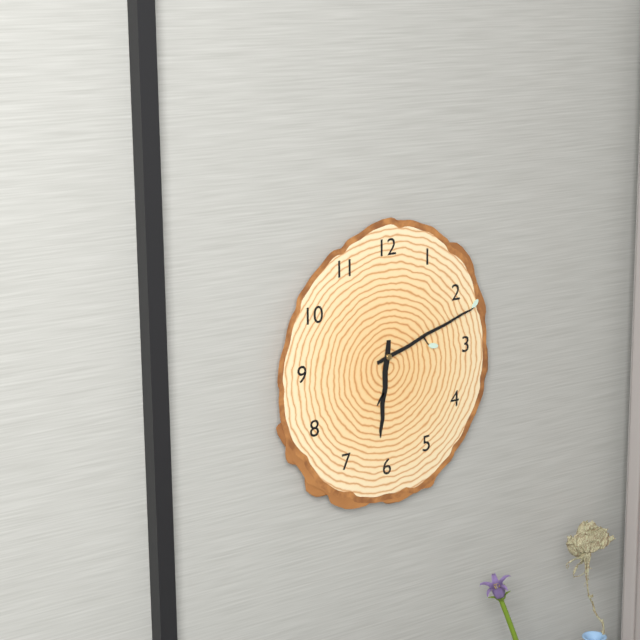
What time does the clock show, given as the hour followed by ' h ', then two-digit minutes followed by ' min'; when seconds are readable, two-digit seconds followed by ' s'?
6 h 12 min
